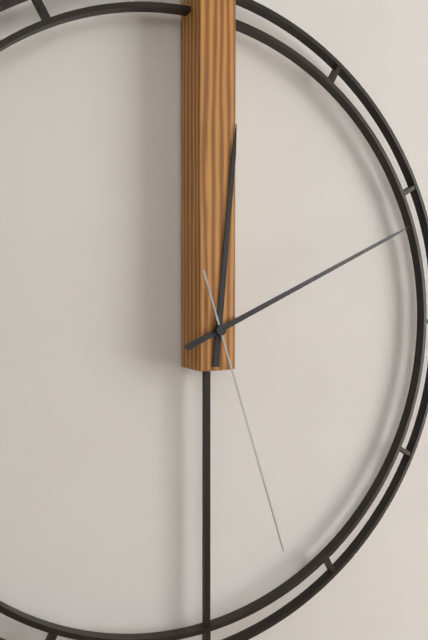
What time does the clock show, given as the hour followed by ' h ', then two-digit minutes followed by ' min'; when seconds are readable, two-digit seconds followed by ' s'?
12 h 11 min 27 s
